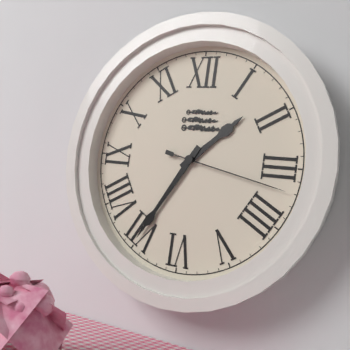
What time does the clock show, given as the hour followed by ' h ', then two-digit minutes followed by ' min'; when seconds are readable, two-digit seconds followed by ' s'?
1 h 35 min 17 s
